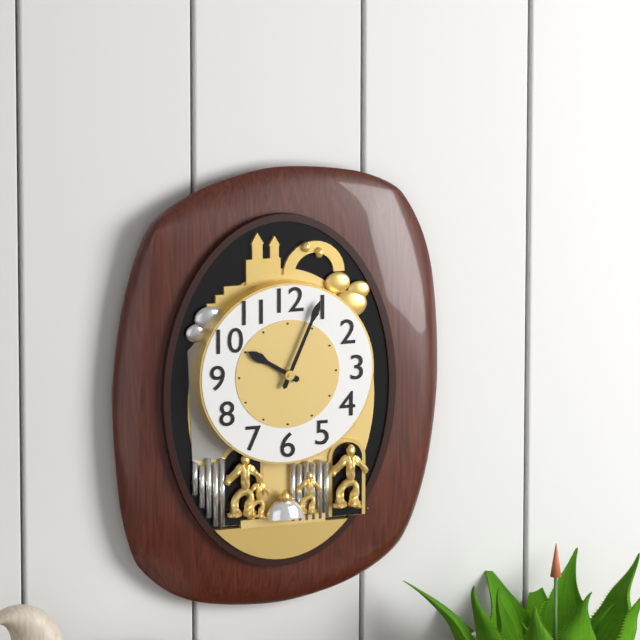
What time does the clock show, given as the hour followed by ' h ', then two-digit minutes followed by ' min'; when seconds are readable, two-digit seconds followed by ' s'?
10 h 04 min
